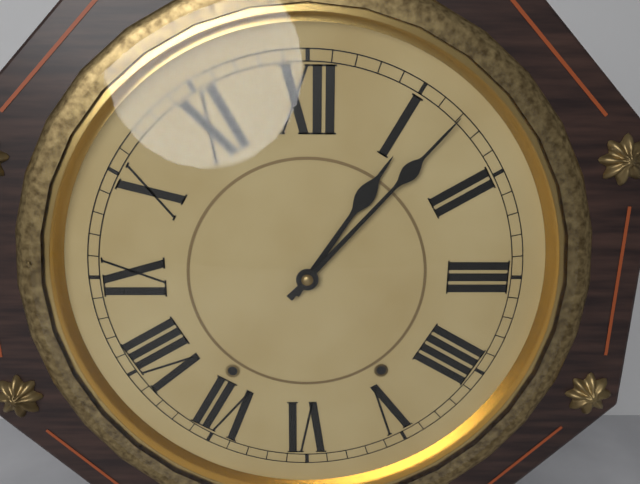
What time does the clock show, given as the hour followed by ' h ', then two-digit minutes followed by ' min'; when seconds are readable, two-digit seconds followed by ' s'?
1 h 07 min
